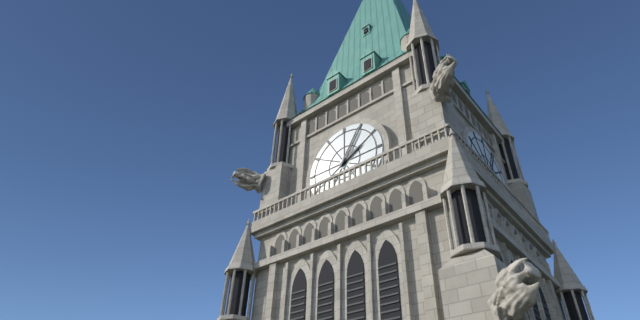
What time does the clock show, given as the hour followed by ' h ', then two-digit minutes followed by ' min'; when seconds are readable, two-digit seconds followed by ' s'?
2 h 05 min
